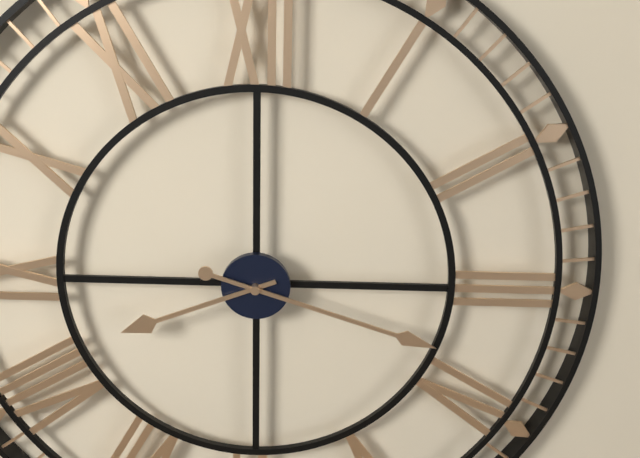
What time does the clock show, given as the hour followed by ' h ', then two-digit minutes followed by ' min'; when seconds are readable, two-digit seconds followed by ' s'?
8 h 18 min
